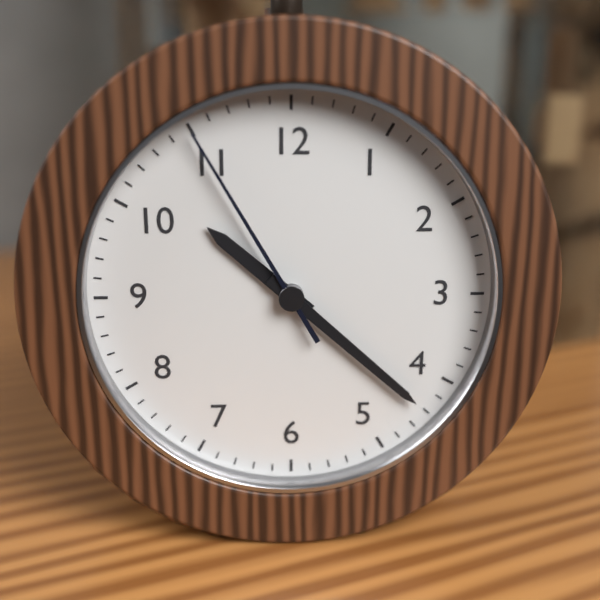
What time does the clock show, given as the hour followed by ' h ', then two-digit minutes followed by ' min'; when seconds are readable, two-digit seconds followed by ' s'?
10 h 22 min 55 s
